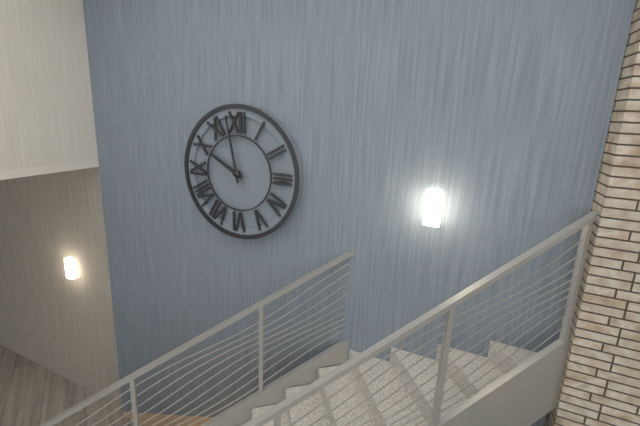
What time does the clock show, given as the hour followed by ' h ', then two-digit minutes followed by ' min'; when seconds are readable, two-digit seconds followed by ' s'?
9 h 58 min
